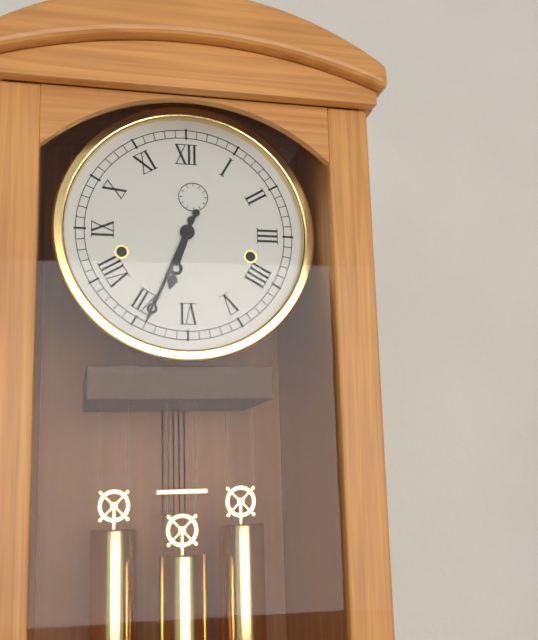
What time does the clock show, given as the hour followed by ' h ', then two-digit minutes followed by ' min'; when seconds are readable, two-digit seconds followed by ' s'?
6 h 34 min
